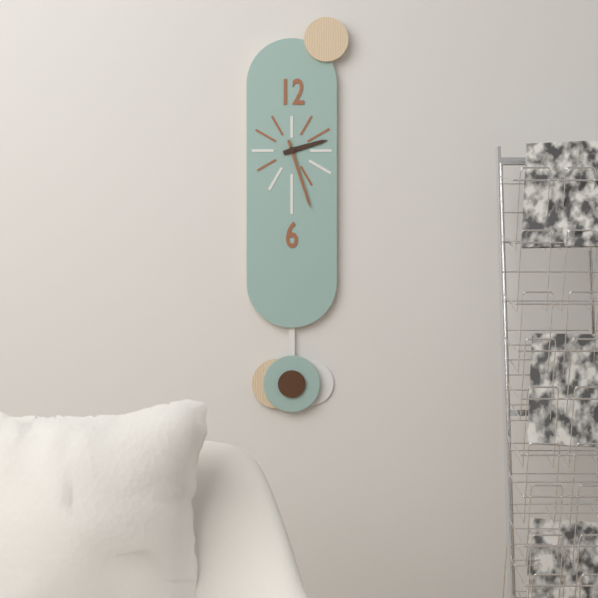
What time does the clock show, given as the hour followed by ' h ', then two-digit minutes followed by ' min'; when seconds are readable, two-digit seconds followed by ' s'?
2 h 27 min
